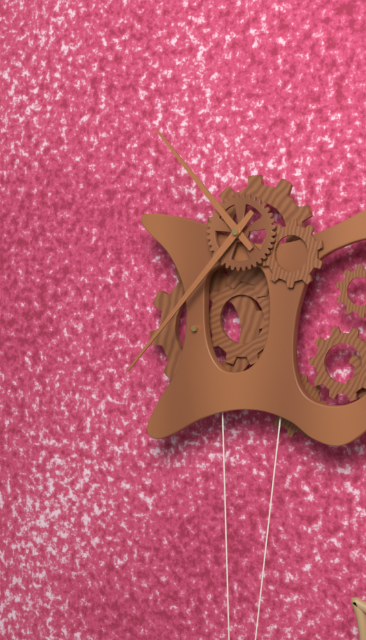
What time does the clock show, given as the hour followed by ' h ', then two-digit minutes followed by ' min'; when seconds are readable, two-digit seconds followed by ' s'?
10 h 37 min
